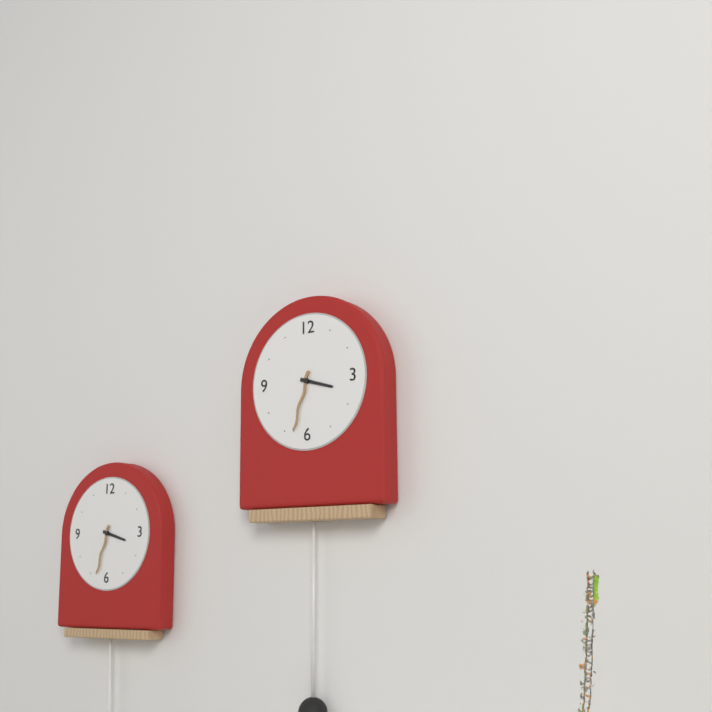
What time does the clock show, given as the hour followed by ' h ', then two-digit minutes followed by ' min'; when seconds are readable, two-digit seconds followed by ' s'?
3 h 33 min
